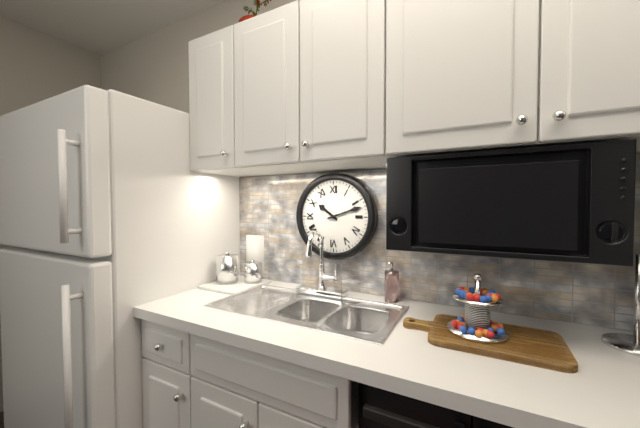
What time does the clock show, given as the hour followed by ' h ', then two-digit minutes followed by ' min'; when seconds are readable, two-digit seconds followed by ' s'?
10 h 12 min
